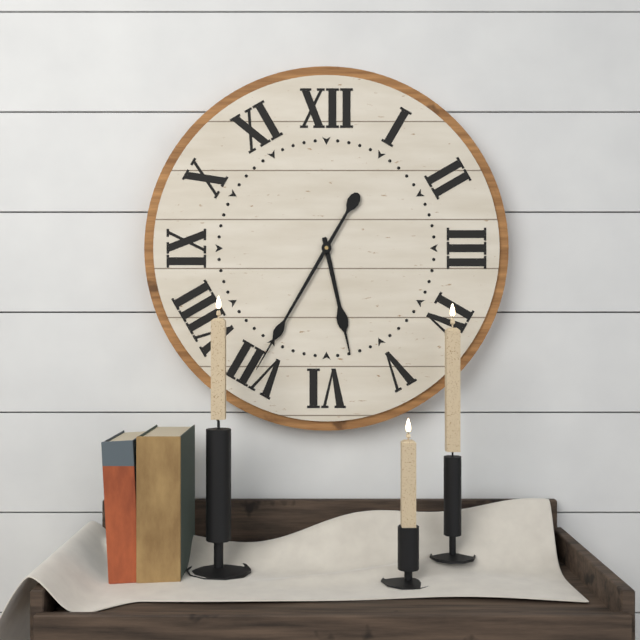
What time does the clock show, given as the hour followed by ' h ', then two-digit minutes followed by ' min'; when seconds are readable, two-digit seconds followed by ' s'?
5 h 35 min
